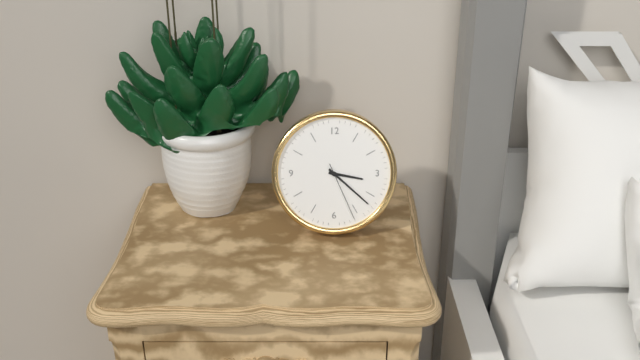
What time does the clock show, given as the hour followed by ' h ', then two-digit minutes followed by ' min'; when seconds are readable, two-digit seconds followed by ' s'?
3 h 22 min 26 s
